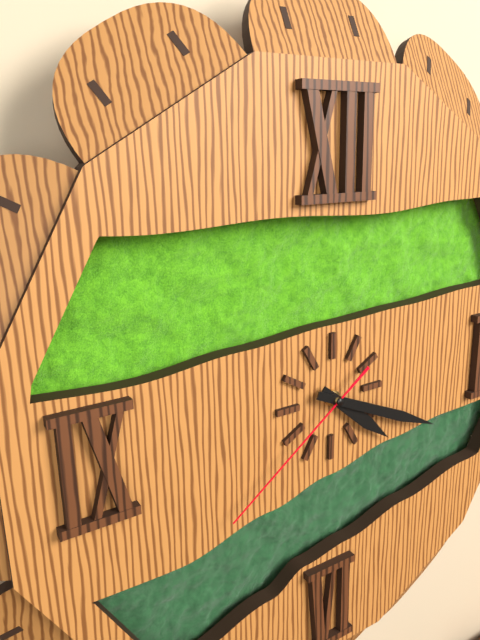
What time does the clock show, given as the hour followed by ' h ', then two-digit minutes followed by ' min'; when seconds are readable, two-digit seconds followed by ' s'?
4 h 19 min 39 s
